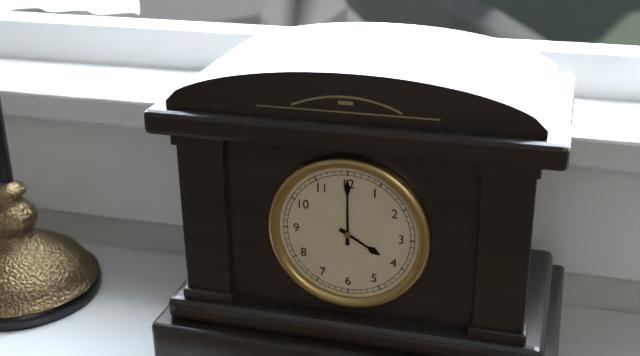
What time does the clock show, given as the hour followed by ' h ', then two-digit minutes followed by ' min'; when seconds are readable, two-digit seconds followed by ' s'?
4 h 00 min
